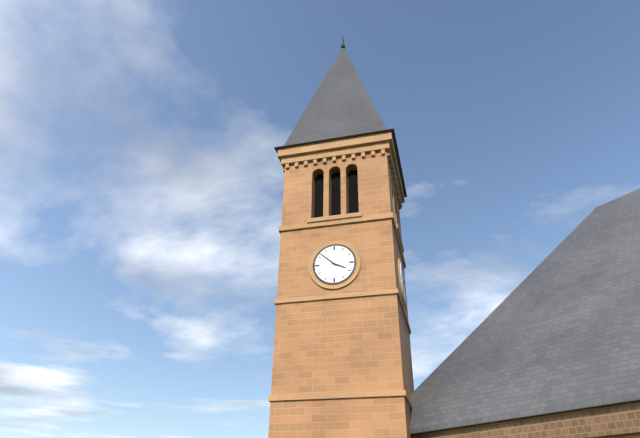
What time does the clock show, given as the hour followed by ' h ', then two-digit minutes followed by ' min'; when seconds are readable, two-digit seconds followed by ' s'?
3 h 52 min
